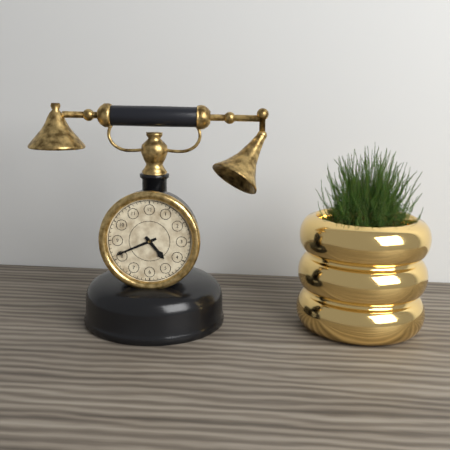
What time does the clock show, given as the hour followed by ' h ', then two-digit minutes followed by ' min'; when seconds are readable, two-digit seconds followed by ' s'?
4 h 41 min
